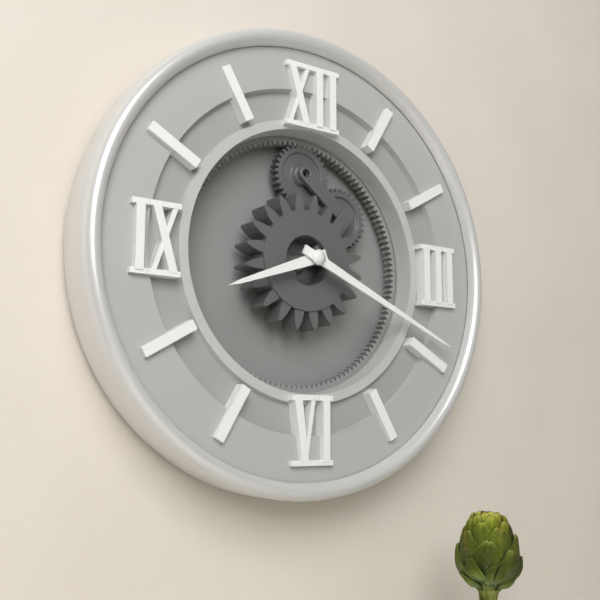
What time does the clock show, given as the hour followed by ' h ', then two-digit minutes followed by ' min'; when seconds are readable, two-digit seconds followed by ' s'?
8 h 19 min
